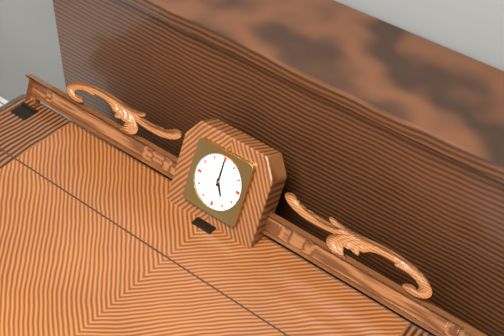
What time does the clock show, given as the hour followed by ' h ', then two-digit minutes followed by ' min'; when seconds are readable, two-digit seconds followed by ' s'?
5 h 00 min
